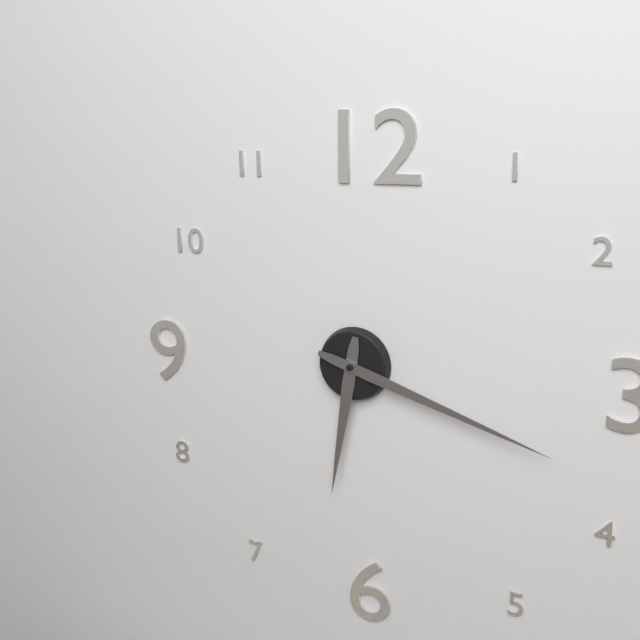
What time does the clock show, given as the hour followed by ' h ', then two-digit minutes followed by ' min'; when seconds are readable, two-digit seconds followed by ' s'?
6 h 18 min
